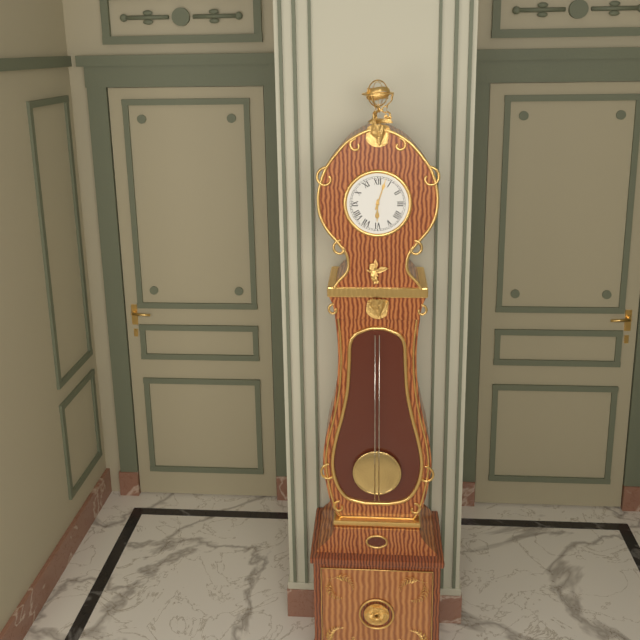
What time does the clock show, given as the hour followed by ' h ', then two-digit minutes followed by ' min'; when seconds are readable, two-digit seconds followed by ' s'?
6 h 03 min
